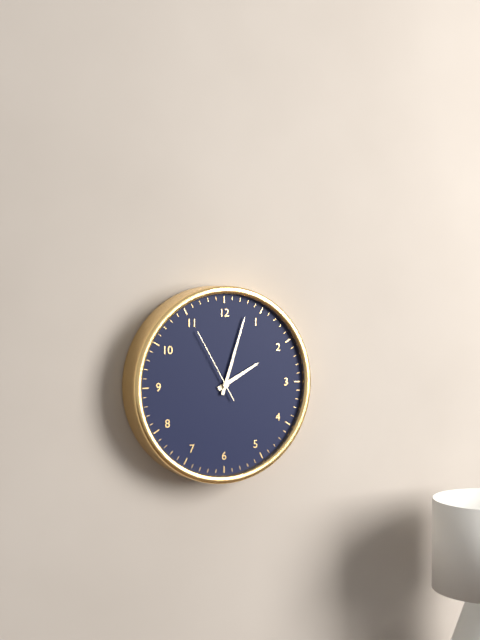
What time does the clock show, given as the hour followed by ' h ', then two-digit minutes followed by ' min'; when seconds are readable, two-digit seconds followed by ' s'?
2 h 03 min 55 s
